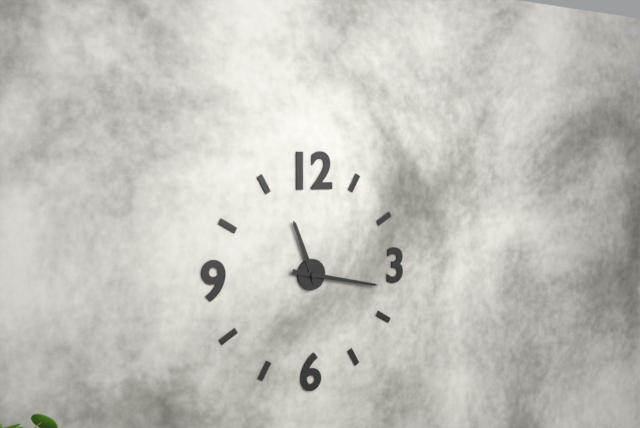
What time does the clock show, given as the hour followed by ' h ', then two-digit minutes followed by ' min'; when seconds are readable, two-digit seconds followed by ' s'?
11 h 17 min
